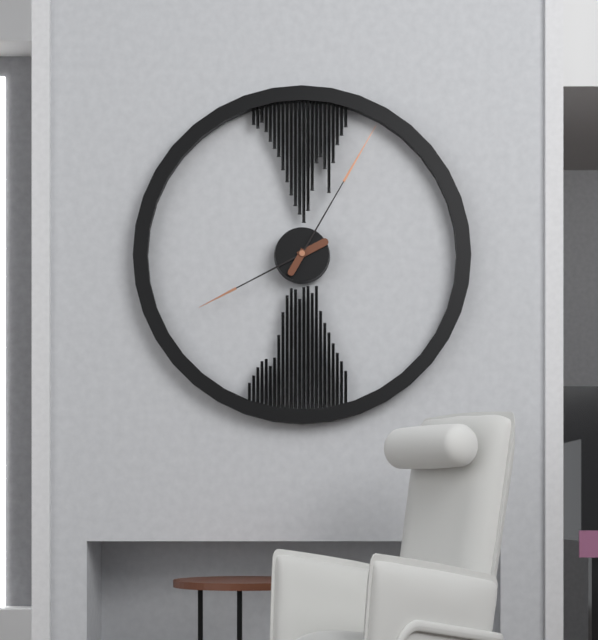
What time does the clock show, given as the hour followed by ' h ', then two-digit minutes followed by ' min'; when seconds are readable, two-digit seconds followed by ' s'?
8 h 05 min
